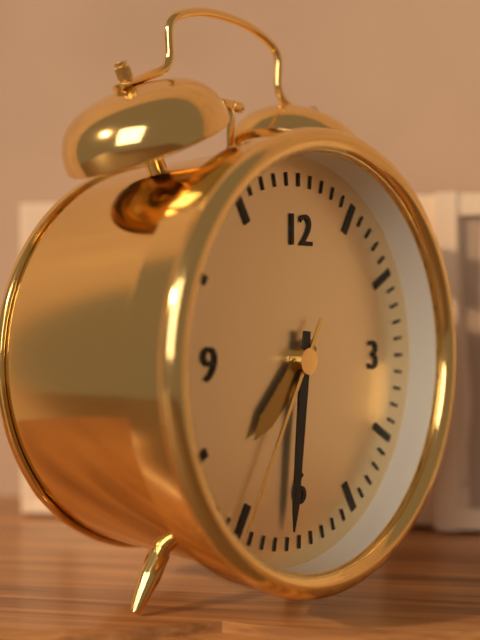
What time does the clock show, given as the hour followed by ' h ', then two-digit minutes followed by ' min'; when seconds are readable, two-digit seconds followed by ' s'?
7 h 31 min 35 s
